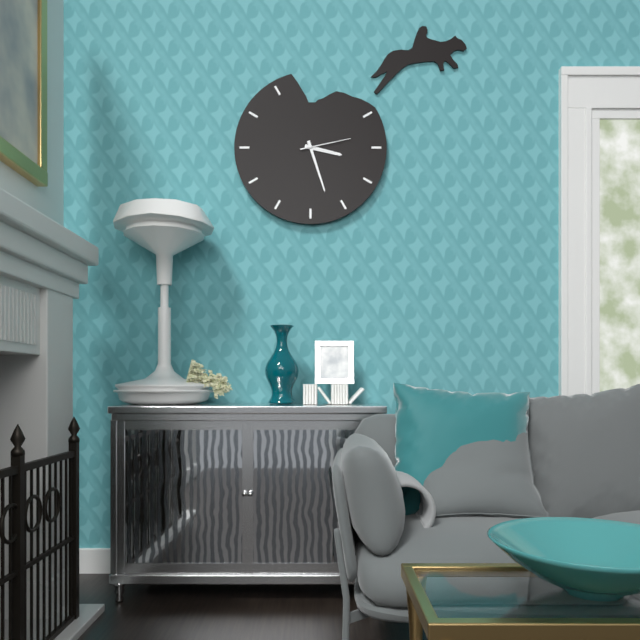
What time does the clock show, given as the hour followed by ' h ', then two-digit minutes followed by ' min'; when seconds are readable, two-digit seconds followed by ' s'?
3 h 27 min 13 s
